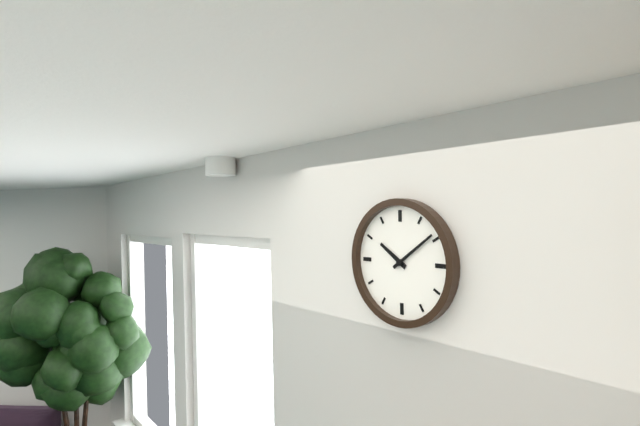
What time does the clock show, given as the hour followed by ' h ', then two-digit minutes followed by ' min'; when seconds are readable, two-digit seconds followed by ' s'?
10 h 09 min
